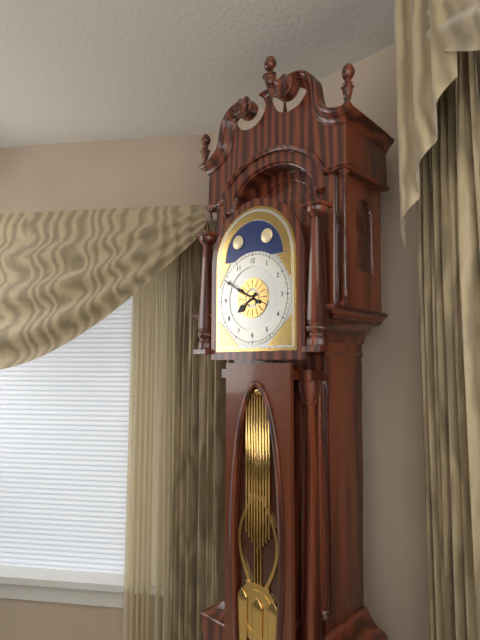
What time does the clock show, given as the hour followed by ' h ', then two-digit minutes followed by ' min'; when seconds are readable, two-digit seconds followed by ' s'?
7 h 50 min
